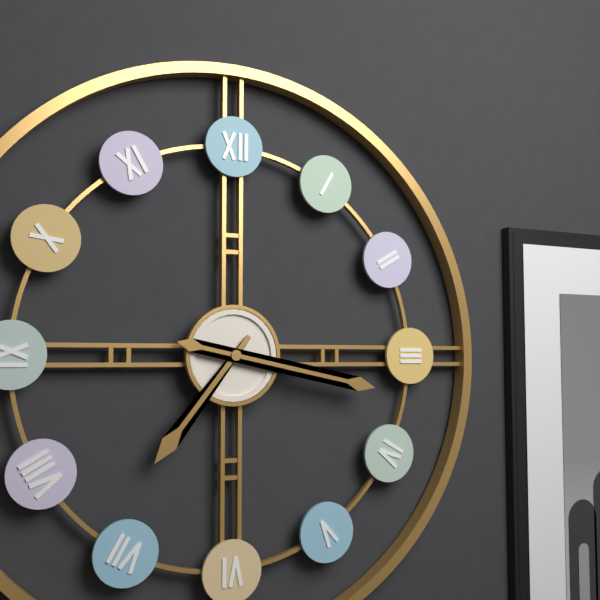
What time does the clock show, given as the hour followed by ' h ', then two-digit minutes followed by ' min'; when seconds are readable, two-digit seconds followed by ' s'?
7 h 17 min
